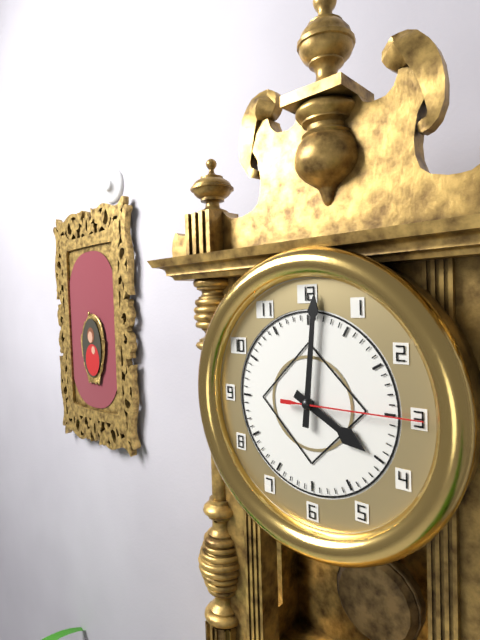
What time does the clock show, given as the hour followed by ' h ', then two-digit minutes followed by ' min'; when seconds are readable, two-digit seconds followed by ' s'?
4 h 01 min 15 s
